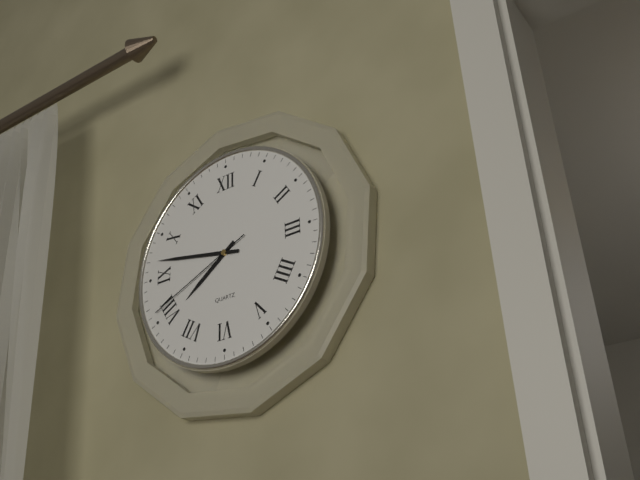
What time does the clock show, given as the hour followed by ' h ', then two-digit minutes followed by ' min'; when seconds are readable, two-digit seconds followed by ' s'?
7 h 47 min 41 s
